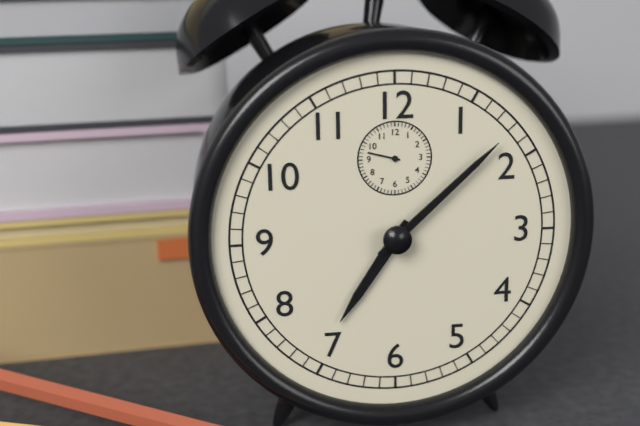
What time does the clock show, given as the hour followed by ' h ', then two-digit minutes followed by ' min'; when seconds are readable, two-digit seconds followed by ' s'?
7 h 08 min
